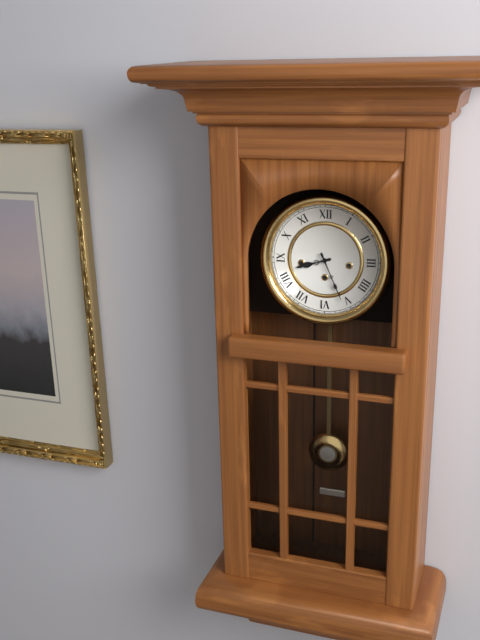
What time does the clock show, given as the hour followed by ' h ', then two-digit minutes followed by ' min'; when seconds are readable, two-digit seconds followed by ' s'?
8 h 26 min
